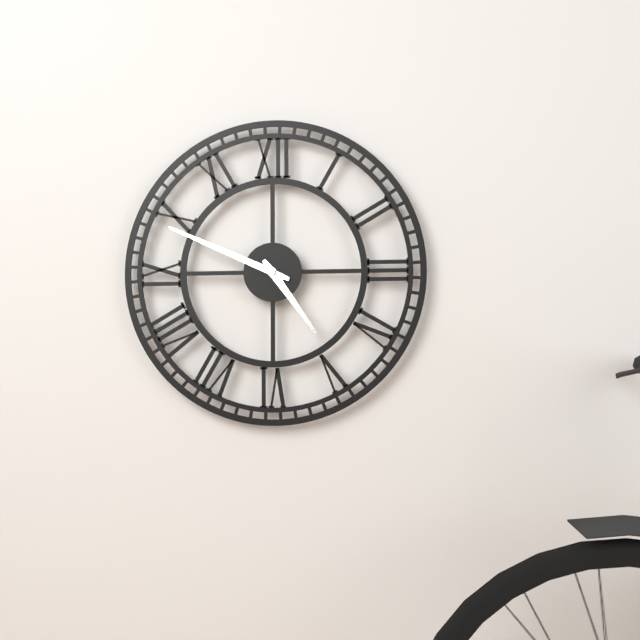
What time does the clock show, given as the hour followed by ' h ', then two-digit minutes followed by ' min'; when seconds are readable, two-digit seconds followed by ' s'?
4 h 49 min
